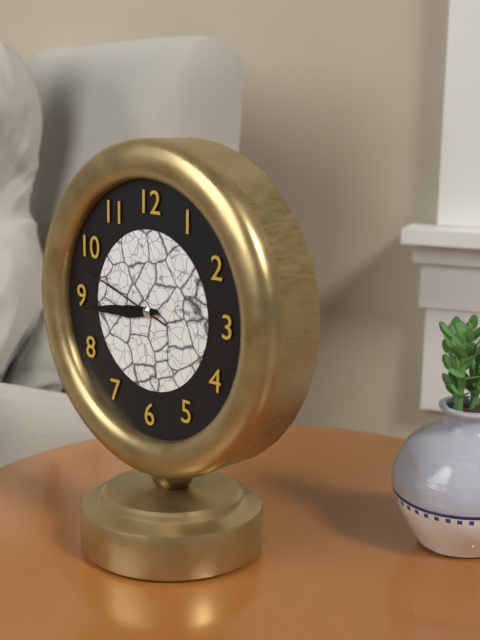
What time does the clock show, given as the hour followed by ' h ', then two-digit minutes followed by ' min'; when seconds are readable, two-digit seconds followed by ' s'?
8 h 44 min 48 s
